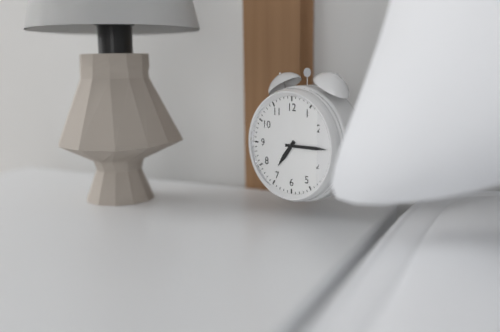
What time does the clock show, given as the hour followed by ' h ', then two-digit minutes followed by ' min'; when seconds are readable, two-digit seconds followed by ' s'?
7 h 15 min
